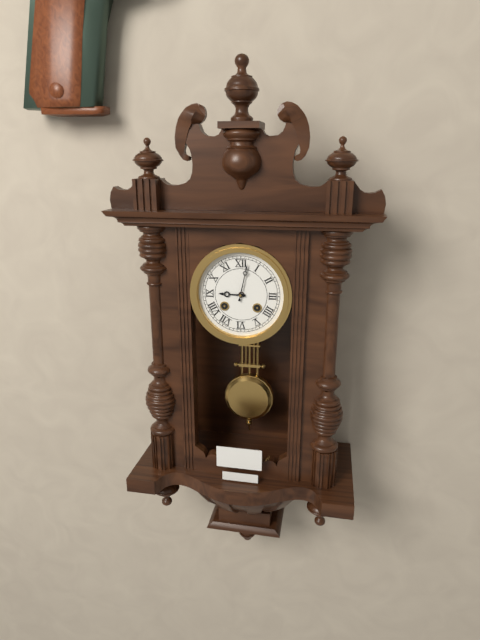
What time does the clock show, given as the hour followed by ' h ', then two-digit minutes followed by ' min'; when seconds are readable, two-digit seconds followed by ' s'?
9 h 02 min
